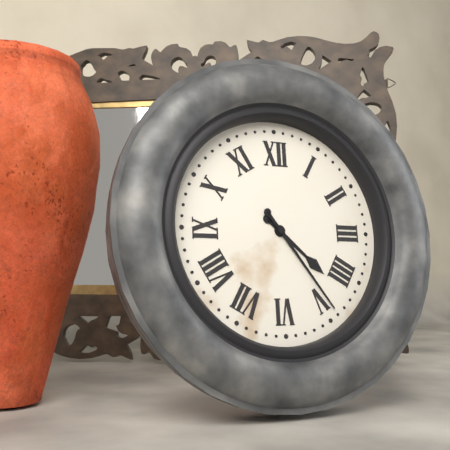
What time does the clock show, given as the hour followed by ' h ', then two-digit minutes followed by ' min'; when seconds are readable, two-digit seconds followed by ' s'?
4 h 24 min
